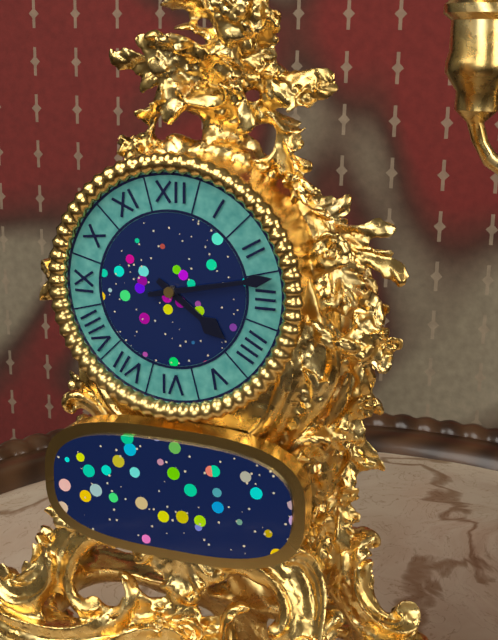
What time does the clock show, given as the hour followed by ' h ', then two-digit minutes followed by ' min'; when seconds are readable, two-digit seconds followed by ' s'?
4 h 13 min
